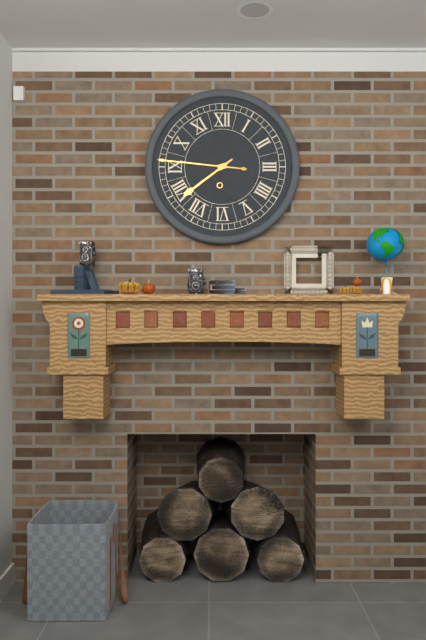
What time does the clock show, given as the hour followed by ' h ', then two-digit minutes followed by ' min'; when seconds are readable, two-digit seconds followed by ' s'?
7 h 46 min
